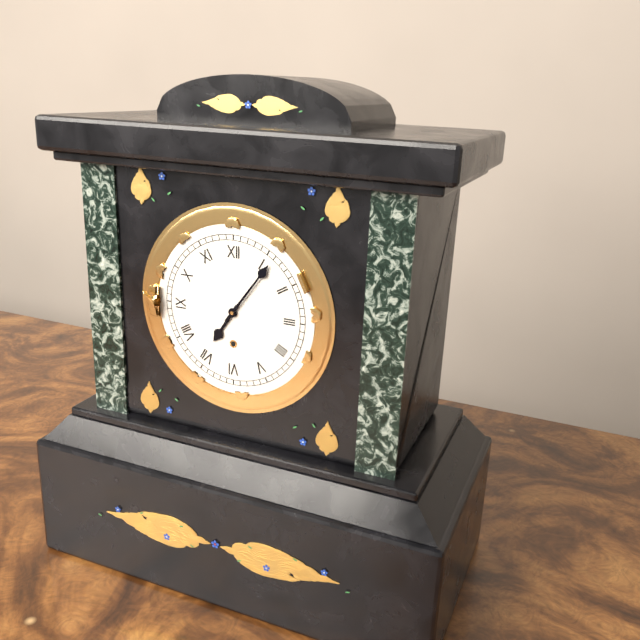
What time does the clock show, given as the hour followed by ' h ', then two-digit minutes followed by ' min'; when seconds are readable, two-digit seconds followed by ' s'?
7 h 06 min
